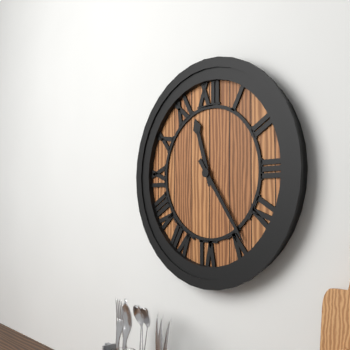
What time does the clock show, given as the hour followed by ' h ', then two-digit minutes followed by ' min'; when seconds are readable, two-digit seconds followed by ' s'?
11 h 24 min
